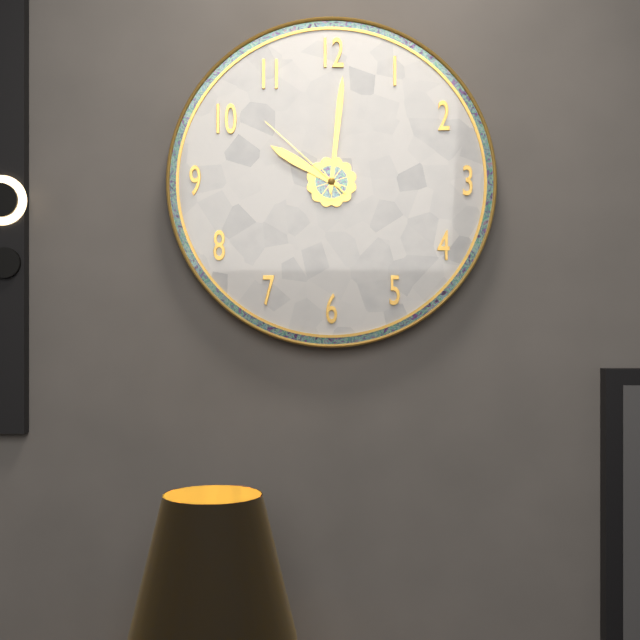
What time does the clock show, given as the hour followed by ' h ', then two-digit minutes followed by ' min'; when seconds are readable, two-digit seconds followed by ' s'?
10 h 01 min 52 s
